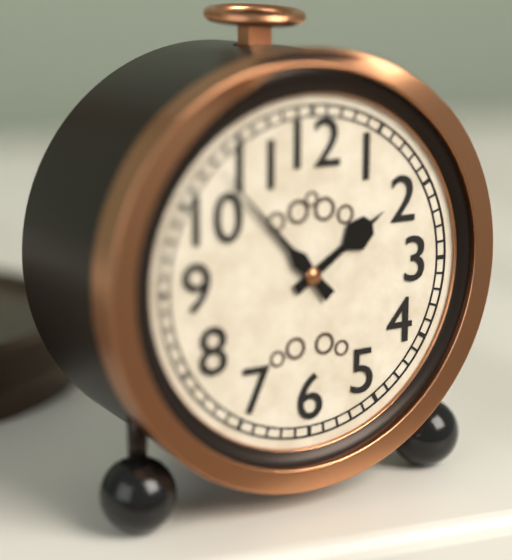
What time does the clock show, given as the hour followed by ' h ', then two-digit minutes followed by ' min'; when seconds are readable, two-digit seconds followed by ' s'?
1 h 53 min
